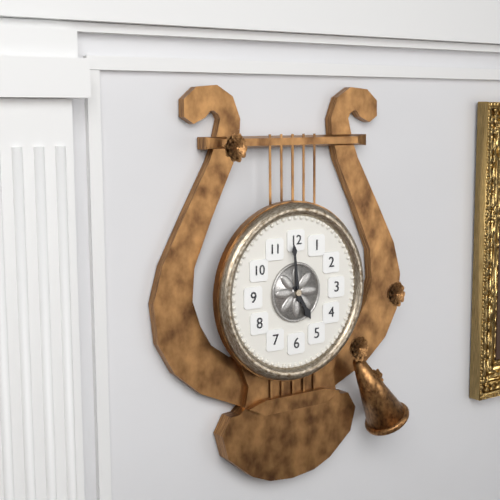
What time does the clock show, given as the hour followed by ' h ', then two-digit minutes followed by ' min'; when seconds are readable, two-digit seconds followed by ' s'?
4 h 59 min
